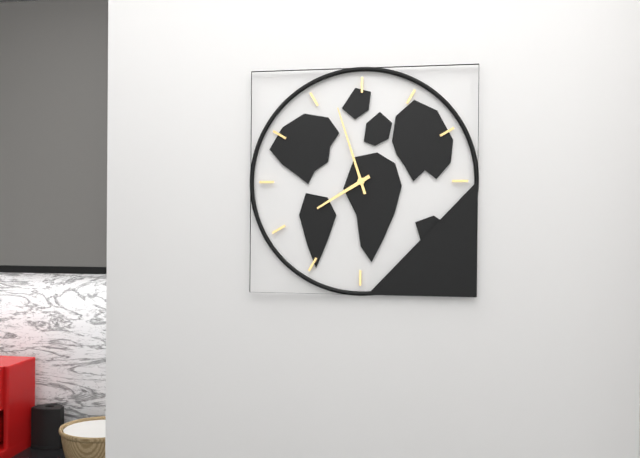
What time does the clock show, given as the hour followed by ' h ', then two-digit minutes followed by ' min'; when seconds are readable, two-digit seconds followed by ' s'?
7 h 57 min
